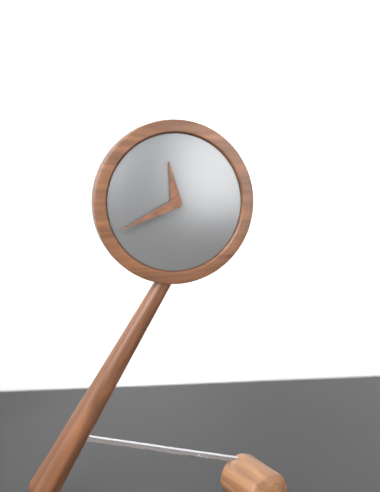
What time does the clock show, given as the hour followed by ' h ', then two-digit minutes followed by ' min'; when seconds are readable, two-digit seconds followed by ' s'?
11 h 41 min
